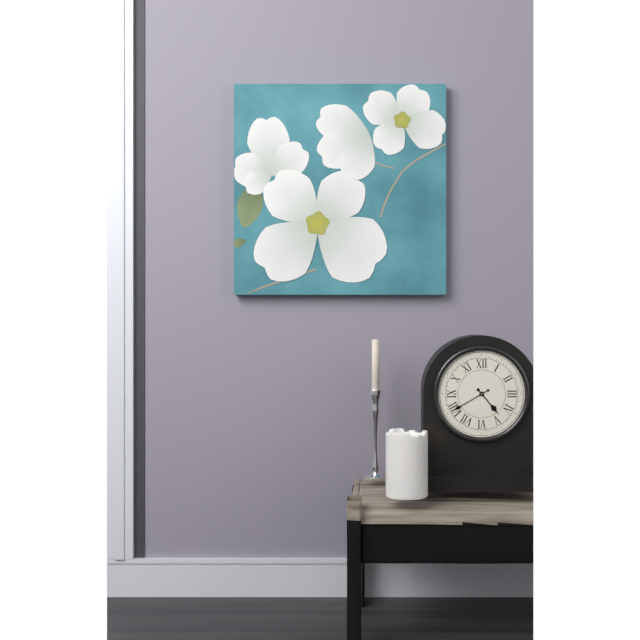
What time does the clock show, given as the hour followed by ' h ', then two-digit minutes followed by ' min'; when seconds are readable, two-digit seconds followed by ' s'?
4 h 40 min
